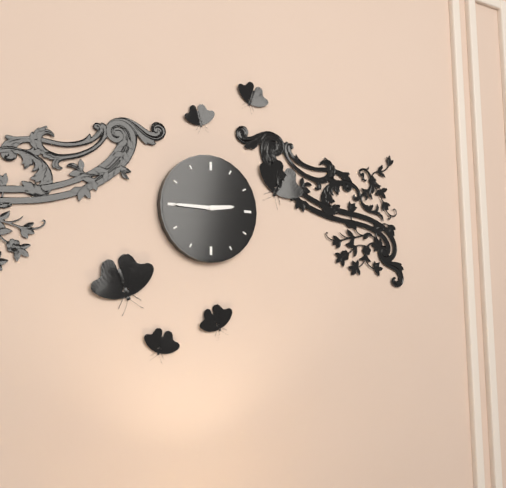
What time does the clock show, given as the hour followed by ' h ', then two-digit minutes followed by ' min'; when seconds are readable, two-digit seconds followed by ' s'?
2 h 45 min
